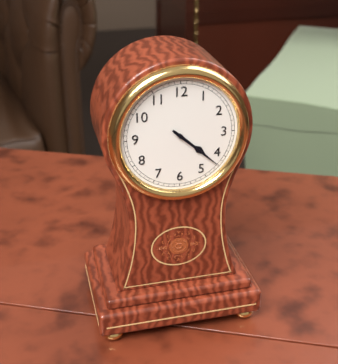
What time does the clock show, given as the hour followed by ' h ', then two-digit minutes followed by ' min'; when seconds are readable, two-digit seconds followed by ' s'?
4 h 22 min
